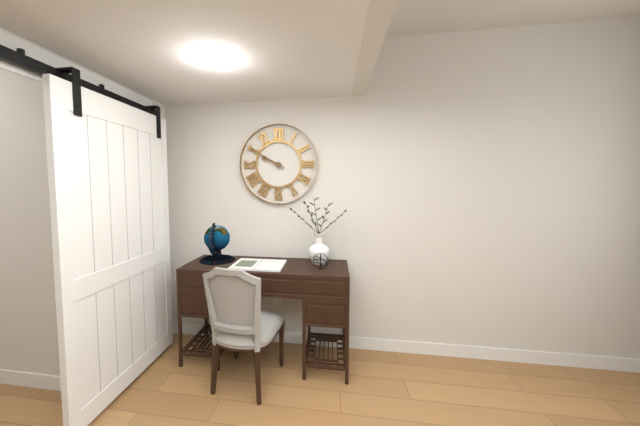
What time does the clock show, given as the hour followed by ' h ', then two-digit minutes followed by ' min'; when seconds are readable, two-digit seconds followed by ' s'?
9 h 50 min
